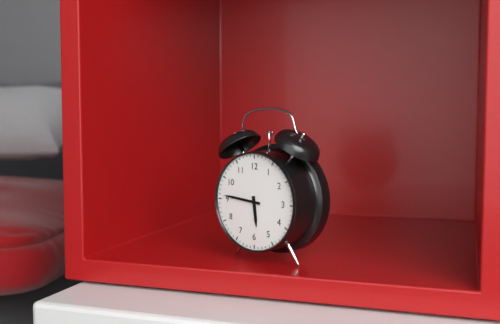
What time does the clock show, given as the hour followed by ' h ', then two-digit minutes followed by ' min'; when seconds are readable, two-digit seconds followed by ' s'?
5 h 46 min
